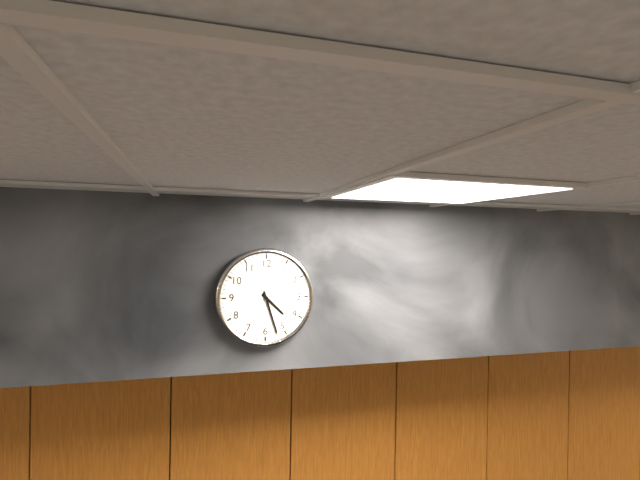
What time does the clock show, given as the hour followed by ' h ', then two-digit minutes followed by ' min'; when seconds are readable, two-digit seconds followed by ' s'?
4 h 27 min
